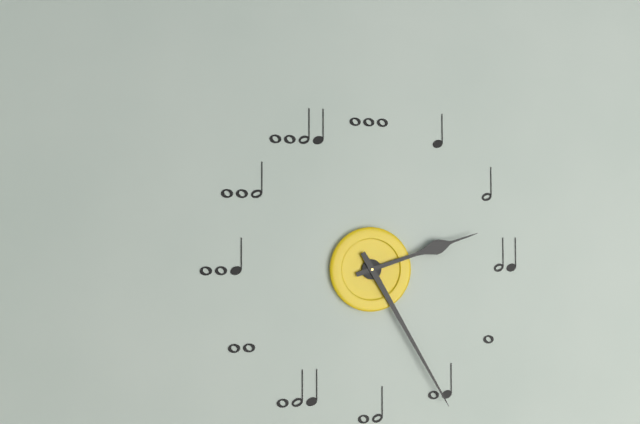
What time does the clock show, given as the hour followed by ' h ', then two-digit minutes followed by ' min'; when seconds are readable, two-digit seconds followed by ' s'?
2 h 25 min
